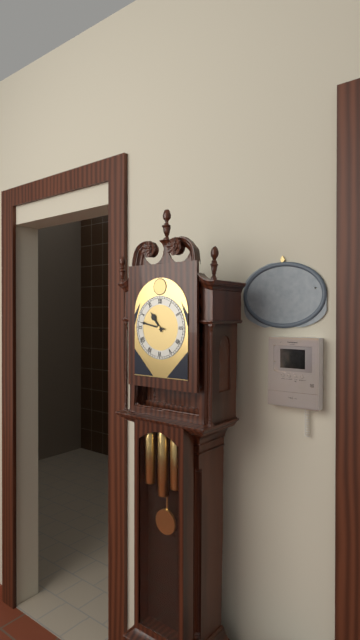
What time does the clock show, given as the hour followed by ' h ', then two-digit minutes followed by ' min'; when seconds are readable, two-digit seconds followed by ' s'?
10 h 47 min
